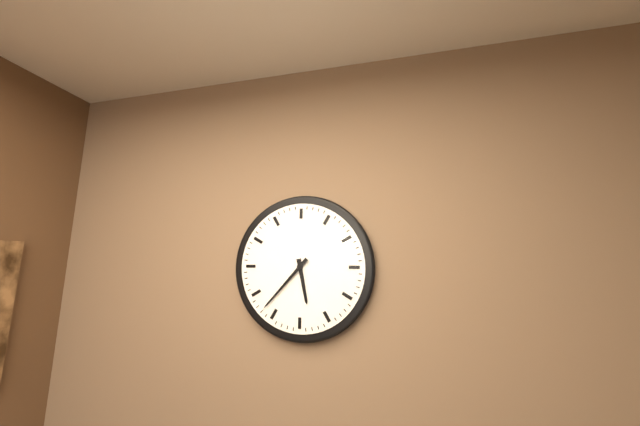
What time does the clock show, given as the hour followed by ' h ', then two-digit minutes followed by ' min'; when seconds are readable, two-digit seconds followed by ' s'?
5 h 37 min
